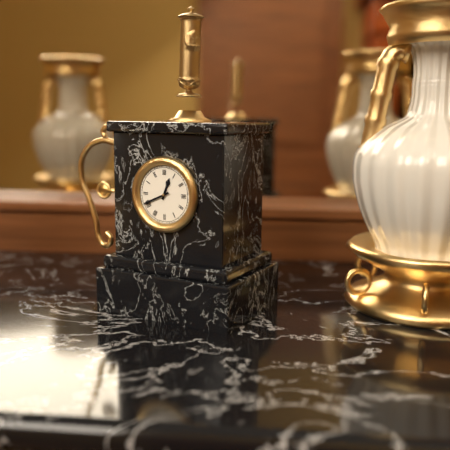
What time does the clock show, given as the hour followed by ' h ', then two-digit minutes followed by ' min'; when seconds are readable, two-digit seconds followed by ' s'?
12 h 41 min
